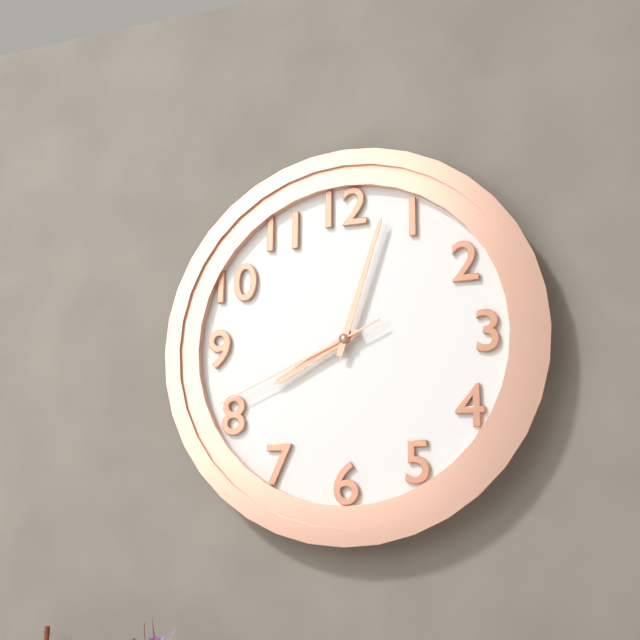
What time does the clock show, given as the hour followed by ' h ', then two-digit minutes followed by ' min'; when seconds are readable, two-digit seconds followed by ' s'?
8 h 03 min 41 s
